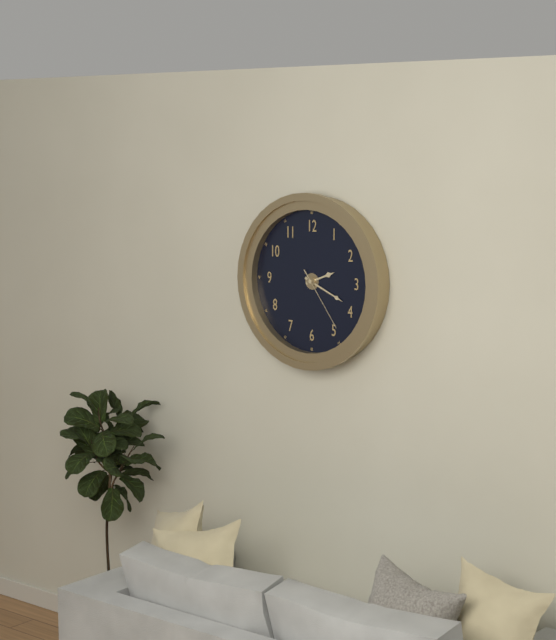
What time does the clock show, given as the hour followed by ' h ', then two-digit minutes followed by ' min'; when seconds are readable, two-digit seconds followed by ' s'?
2 h 19 min 24 s
